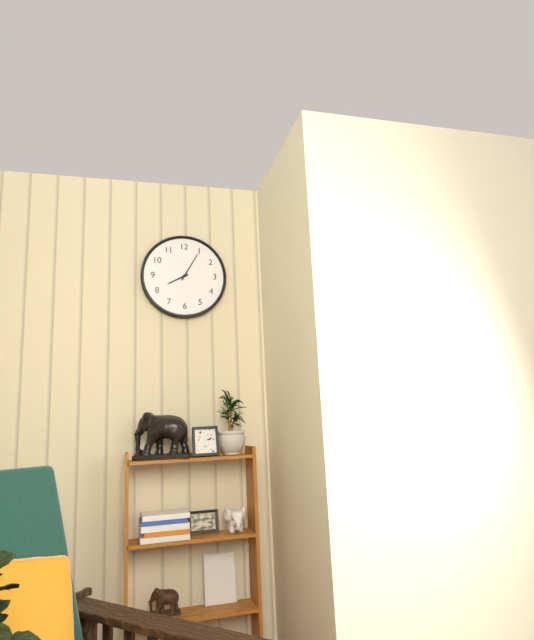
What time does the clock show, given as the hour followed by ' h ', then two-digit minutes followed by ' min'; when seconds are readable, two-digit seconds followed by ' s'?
8 h 05 min
